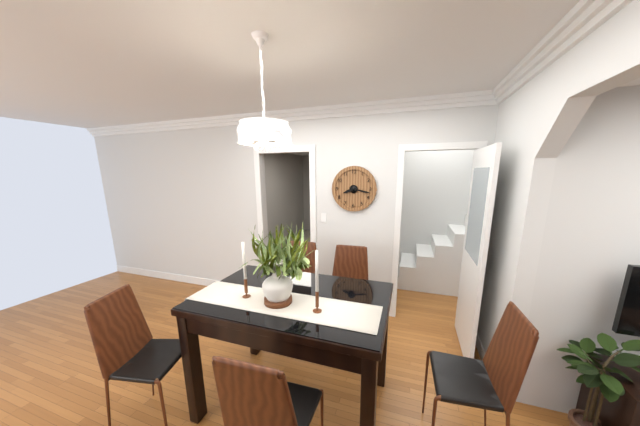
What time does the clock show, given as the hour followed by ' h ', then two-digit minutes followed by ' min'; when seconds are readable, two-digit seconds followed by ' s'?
8 h 17 min
